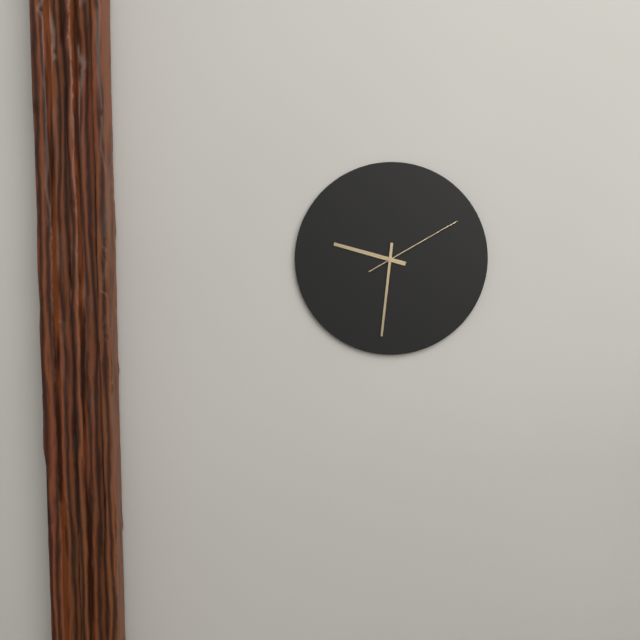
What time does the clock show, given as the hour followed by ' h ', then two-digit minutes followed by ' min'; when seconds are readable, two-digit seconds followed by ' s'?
9 h 31 min 10 s
